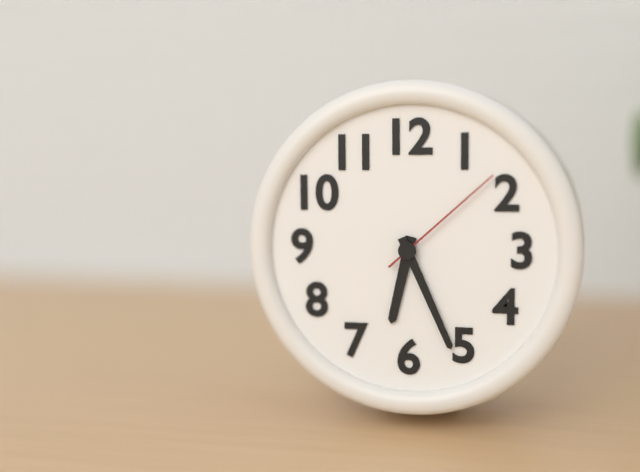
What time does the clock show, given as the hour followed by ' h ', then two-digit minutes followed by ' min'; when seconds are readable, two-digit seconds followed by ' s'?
6 h 26 min 08 s
